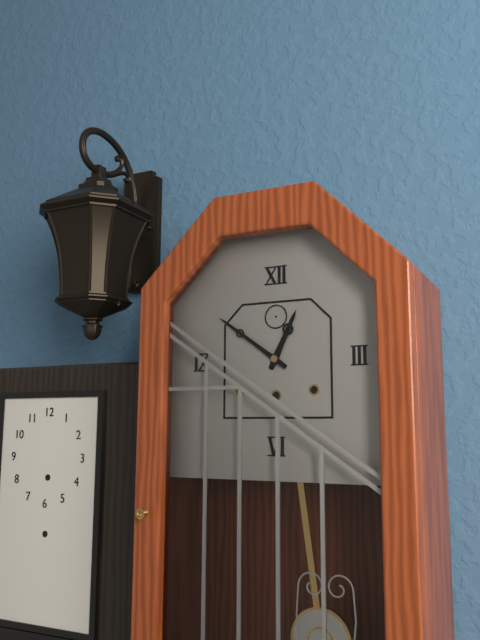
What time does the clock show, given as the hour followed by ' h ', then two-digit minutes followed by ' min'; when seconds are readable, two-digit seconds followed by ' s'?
12 h 51 min
